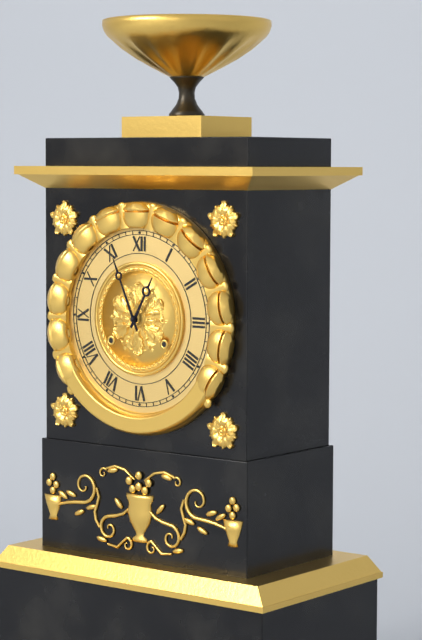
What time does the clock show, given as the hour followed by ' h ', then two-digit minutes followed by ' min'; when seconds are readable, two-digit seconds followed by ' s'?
12 h 56 min
